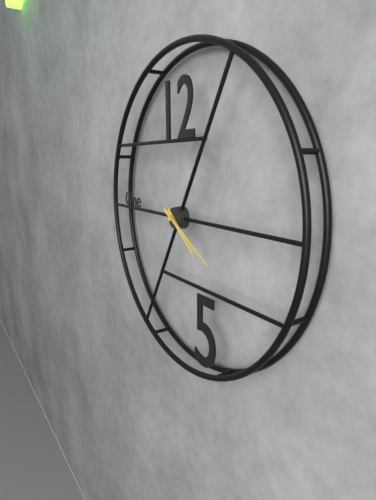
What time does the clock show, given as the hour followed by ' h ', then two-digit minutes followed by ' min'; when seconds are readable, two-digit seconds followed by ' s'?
4 h 20 min
